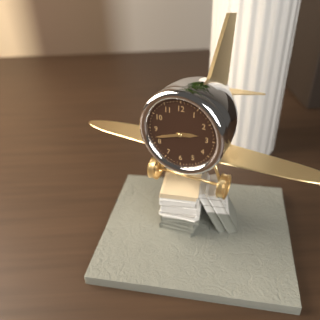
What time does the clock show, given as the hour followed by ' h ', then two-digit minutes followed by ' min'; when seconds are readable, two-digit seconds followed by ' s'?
2 h 42 min
